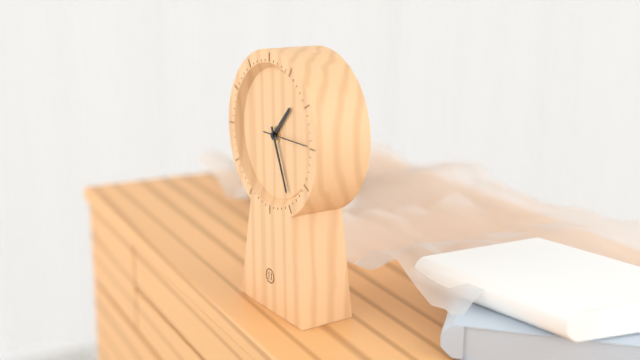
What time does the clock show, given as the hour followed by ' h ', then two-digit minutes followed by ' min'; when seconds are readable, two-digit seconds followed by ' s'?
1 h 26 min
